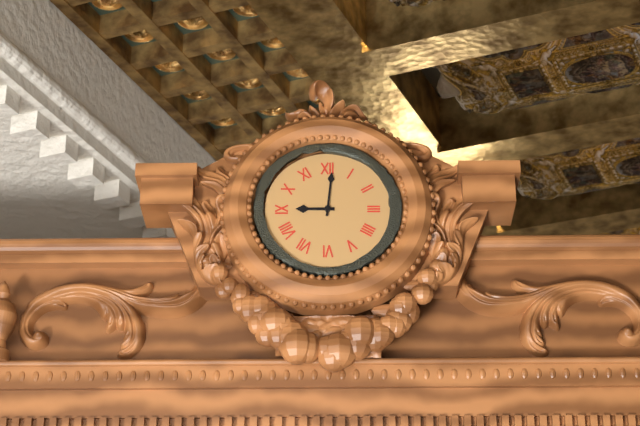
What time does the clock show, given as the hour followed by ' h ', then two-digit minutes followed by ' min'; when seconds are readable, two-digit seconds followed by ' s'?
9 h 01 min
